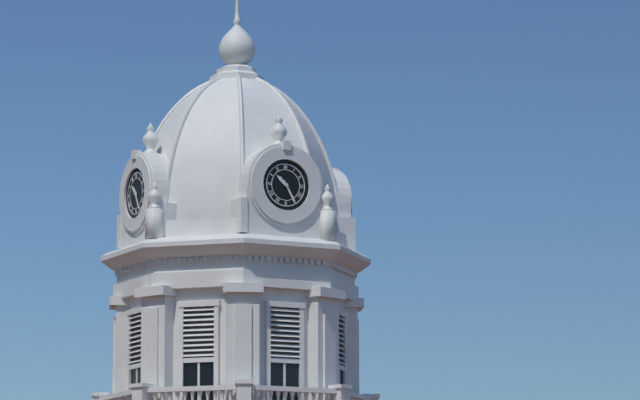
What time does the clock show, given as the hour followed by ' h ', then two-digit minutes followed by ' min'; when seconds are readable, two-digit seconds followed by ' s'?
10 h 25 min
